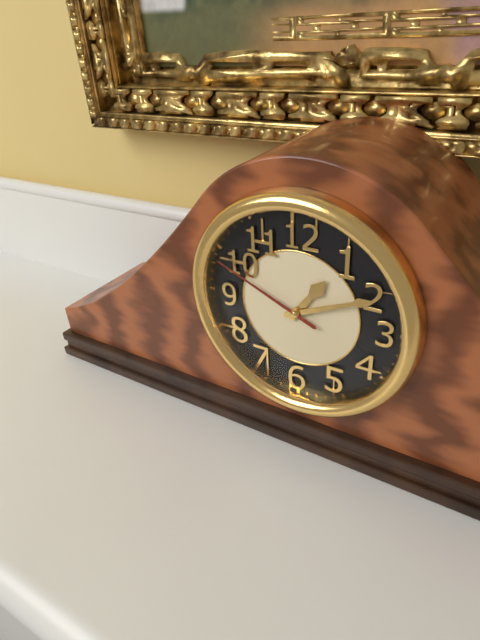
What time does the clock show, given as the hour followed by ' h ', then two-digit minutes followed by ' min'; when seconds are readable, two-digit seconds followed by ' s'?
1 h 11 min 49 s
